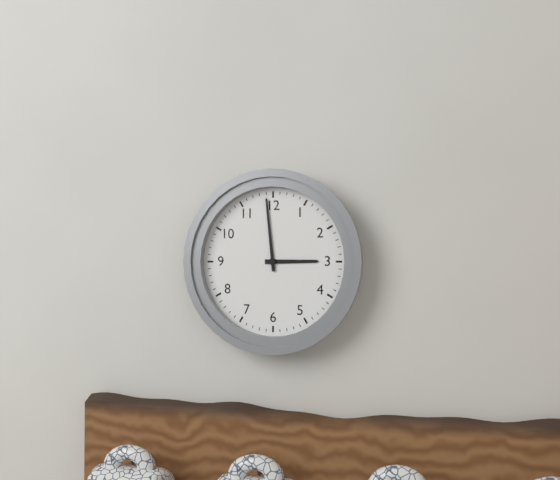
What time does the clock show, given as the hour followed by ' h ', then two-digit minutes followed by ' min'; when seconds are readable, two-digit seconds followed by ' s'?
2 h 59 min
